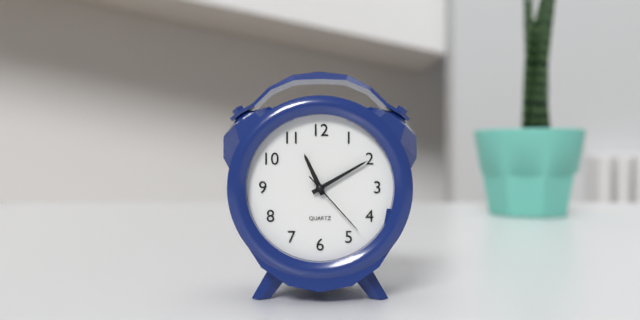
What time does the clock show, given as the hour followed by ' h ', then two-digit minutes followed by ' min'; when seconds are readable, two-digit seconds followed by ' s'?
11 h 10 min 23 s
